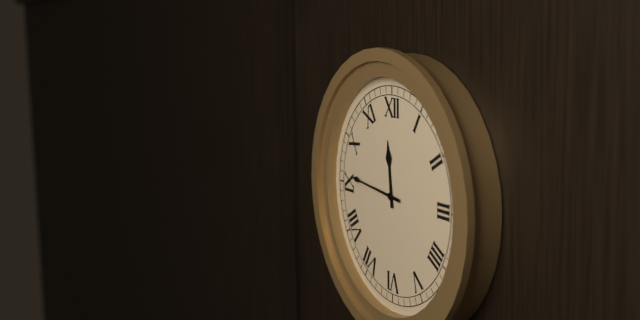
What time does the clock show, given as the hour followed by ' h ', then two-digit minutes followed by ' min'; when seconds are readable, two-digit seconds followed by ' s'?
11 h 46 min
